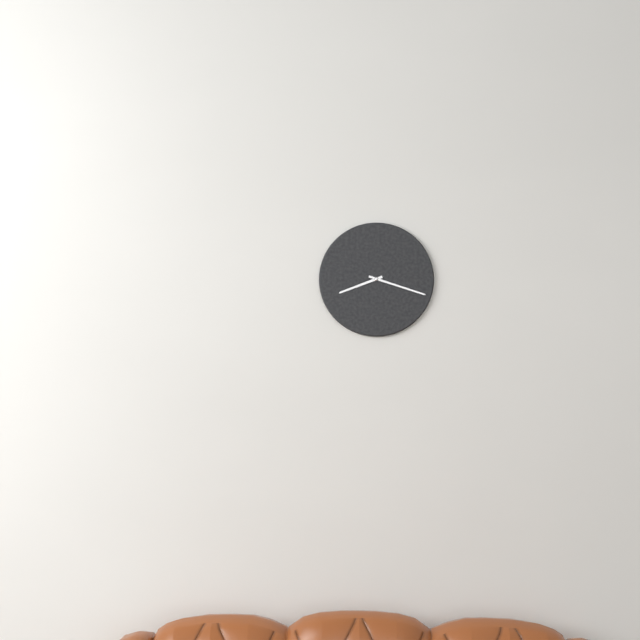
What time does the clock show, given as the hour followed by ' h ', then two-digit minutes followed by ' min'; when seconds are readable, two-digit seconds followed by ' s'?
8 h 18 min
